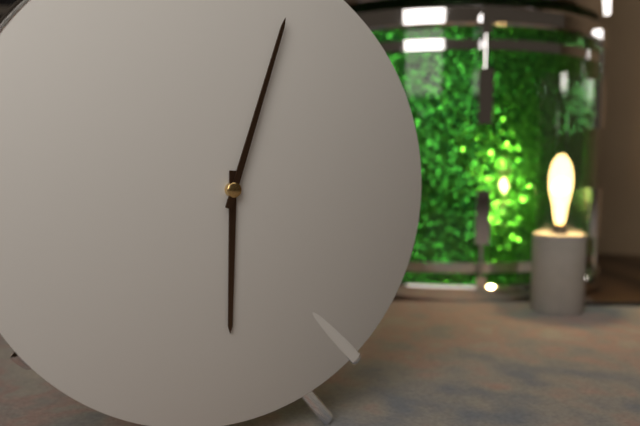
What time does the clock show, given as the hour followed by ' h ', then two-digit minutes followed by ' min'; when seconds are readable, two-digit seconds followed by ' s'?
6 h 03 min
